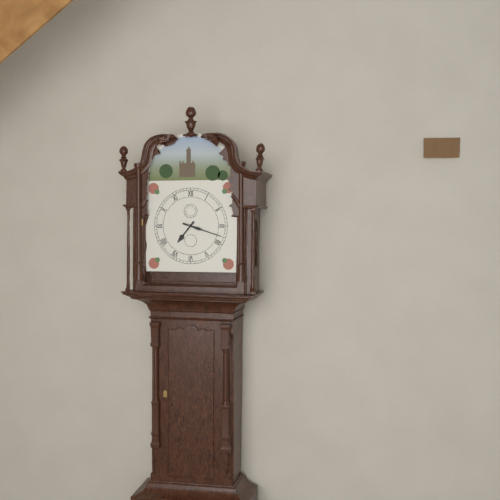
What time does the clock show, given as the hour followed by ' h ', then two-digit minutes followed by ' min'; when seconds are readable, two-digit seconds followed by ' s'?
7 h 18 min
